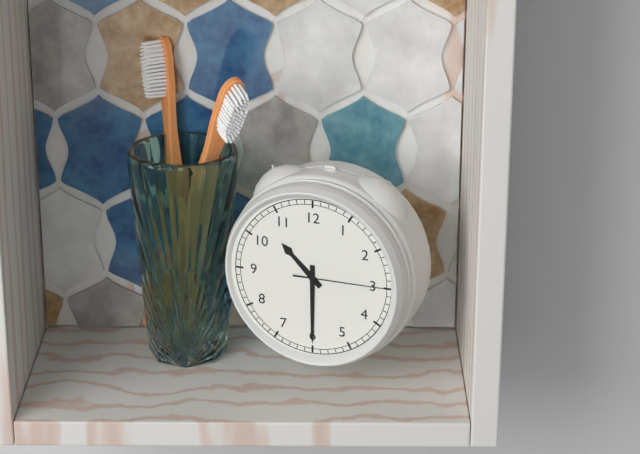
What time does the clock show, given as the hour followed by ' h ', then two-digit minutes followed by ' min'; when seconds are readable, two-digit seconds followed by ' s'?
10 h 30 min 15 s
